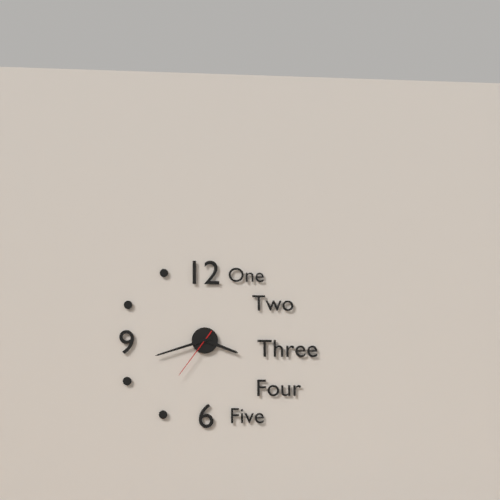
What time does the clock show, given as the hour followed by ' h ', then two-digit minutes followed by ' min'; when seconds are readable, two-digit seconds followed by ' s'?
3 h 42 min 36 s
